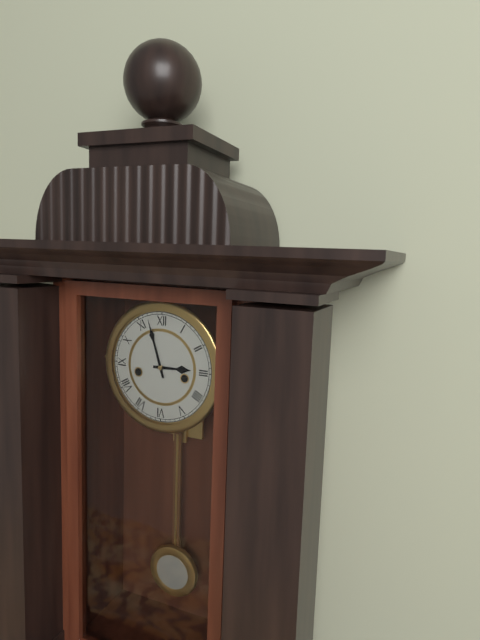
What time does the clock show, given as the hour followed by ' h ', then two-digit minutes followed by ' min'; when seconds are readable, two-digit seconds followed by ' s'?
2 h 57 min
